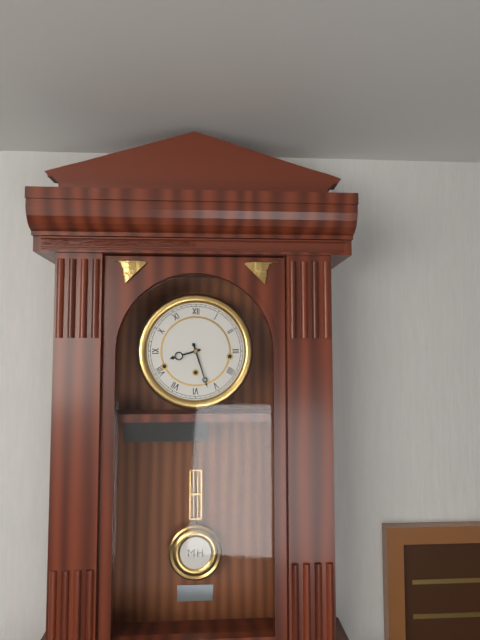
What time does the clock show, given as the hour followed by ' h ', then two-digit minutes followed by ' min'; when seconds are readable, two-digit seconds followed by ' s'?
8 h 27 min
